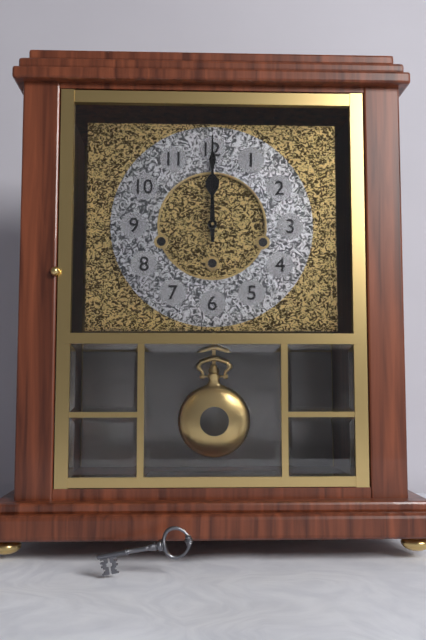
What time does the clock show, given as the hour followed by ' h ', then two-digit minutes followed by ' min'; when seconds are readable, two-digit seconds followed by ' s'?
12 h 00 min
